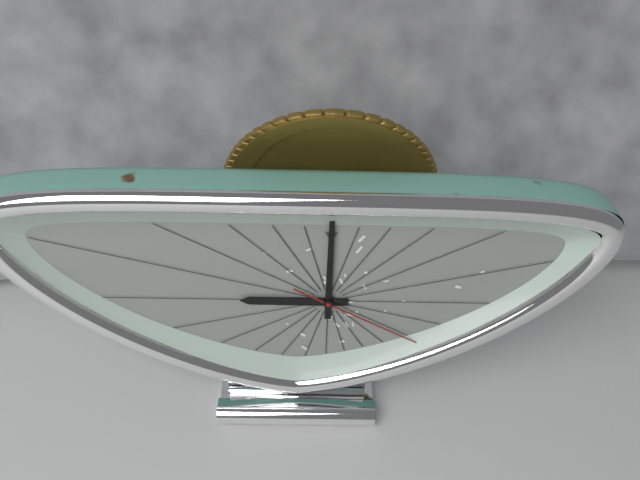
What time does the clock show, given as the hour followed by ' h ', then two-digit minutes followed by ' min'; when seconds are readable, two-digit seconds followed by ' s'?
9 h 00 min 20 s
